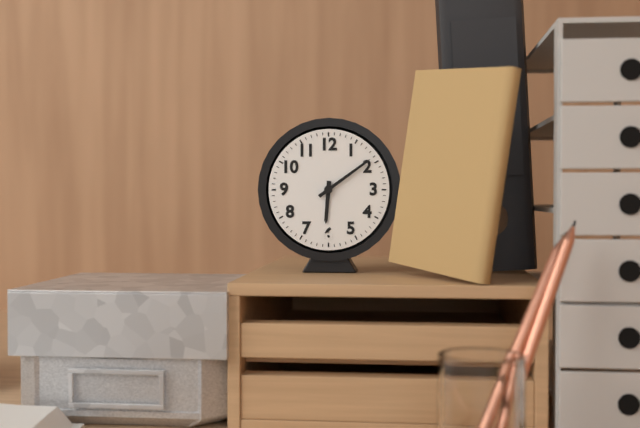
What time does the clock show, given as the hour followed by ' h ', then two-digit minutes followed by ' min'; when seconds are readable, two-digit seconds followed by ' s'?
6 h 09 min
